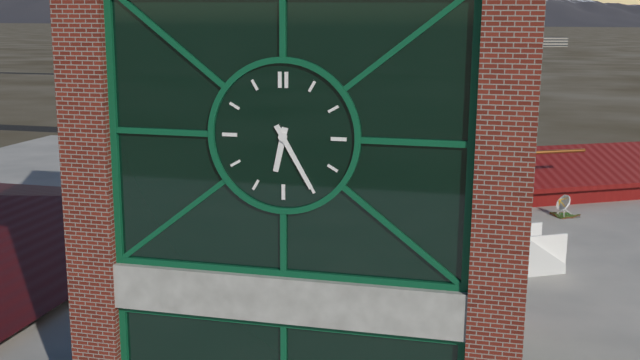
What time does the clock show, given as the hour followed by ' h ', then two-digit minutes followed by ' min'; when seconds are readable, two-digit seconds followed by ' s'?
6 h 25 min
